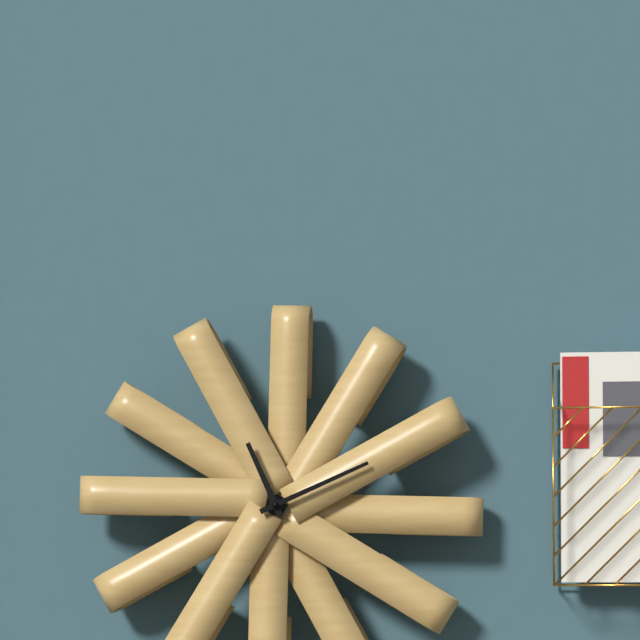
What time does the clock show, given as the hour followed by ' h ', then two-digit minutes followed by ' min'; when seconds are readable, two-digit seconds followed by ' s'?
11 h 11 min
